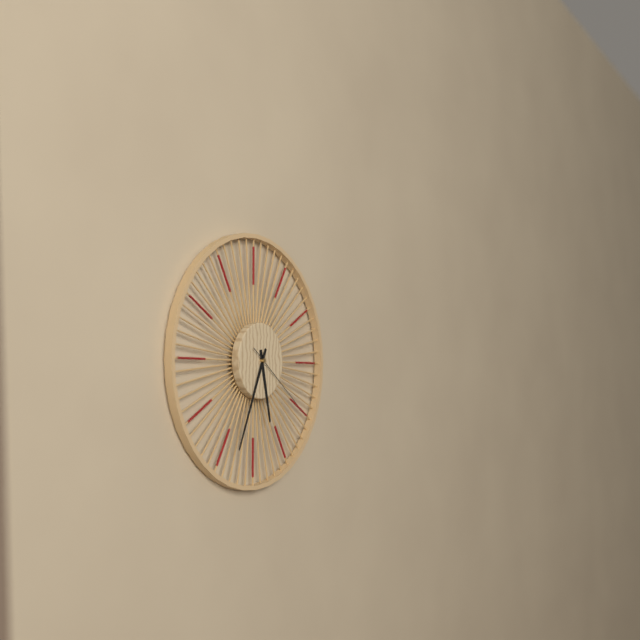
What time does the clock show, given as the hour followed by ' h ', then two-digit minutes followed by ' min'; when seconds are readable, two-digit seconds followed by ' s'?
5 h 34 min 21 s
